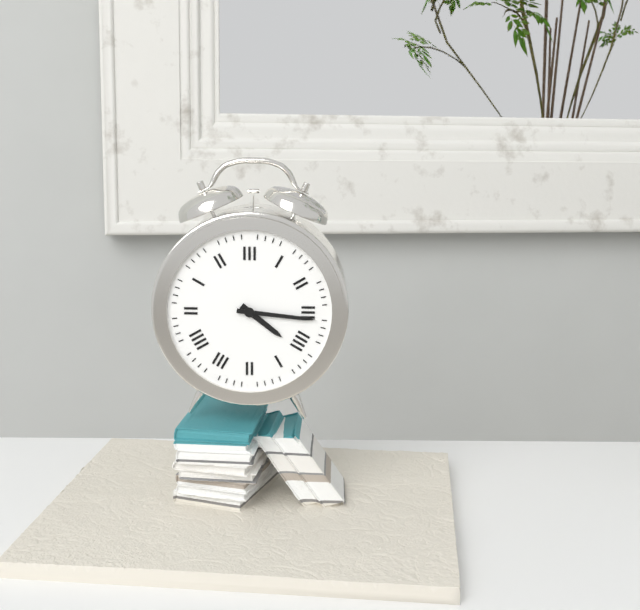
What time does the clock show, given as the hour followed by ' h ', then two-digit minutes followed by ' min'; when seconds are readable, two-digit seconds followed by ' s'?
4 h 16 min
